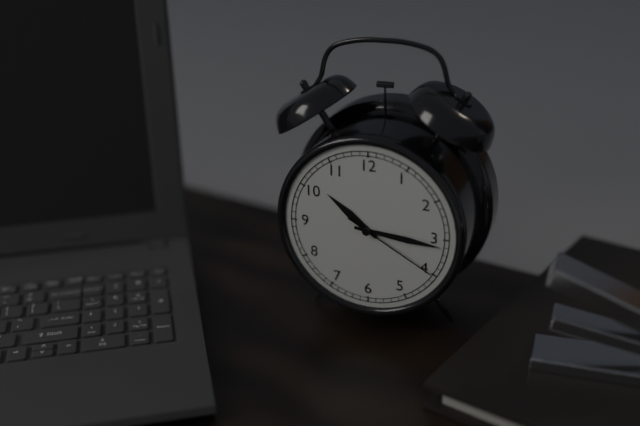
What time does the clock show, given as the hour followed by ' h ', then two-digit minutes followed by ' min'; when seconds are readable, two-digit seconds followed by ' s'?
10 h 16 min 20 s
